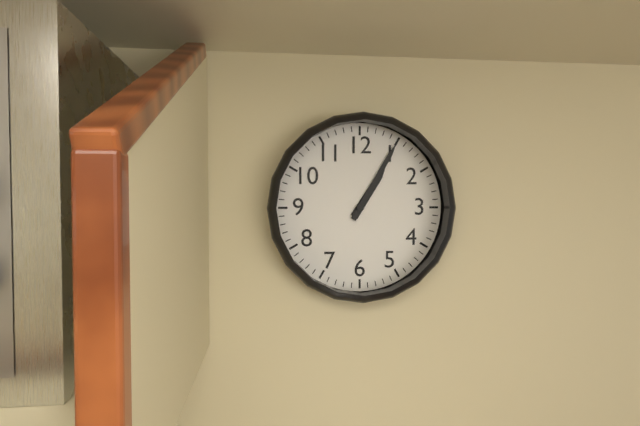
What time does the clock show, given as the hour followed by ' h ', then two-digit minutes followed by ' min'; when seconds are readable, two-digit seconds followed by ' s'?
1 h 05 min
